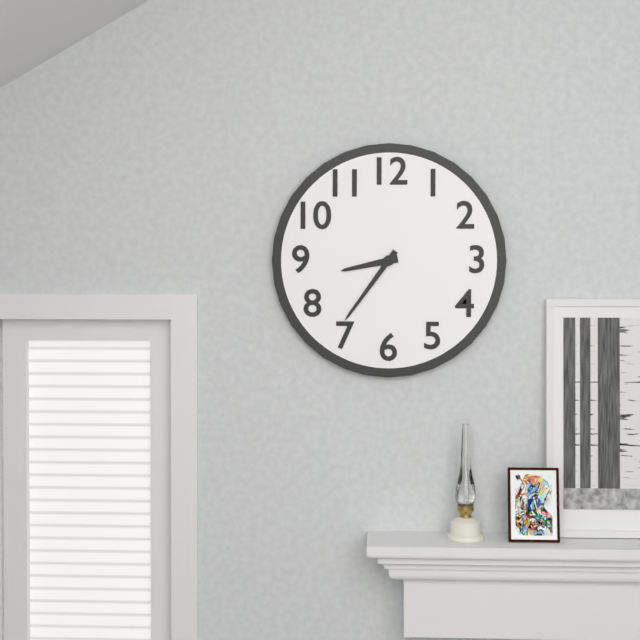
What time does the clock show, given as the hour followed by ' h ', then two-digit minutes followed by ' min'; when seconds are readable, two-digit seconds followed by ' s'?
8 h 36 min
